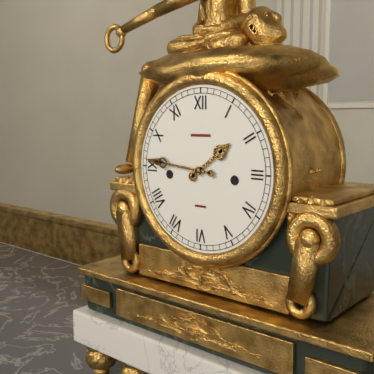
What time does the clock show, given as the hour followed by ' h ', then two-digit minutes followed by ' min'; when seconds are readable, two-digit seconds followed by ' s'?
1 h 46 min
